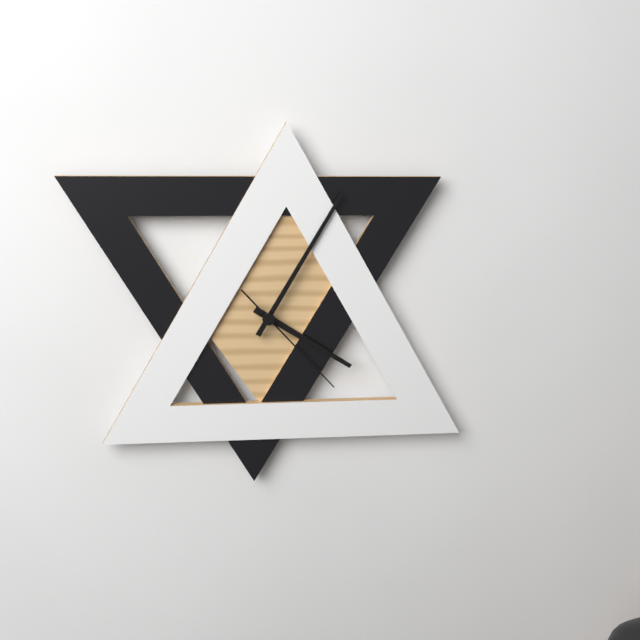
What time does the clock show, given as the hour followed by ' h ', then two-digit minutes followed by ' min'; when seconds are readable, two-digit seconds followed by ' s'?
4 h 05 min 23 s
